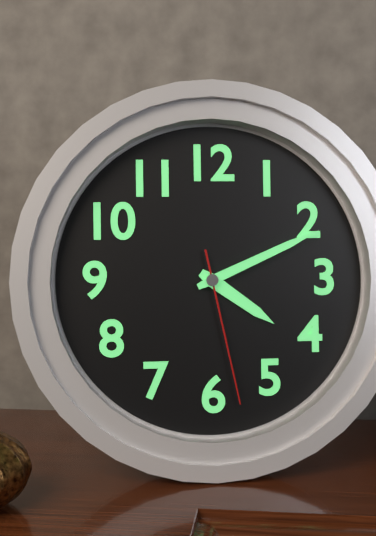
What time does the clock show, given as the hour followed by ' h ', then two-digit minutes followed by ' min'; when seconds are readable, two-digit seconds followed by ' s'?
4 h 11 min 28 s
